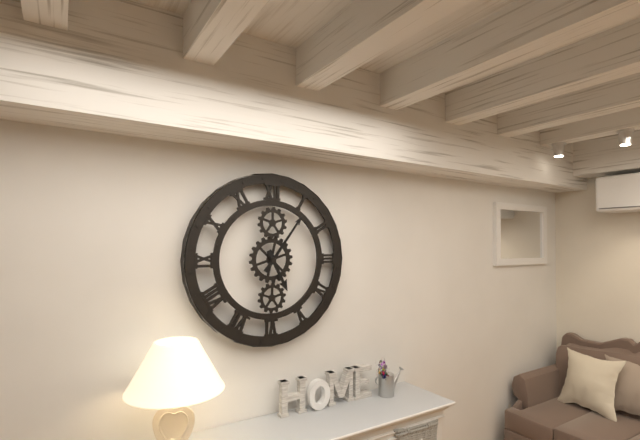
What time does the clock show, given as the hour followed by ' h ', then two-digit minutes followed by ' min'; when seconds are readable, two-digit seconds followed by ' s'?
5 h 06 min
